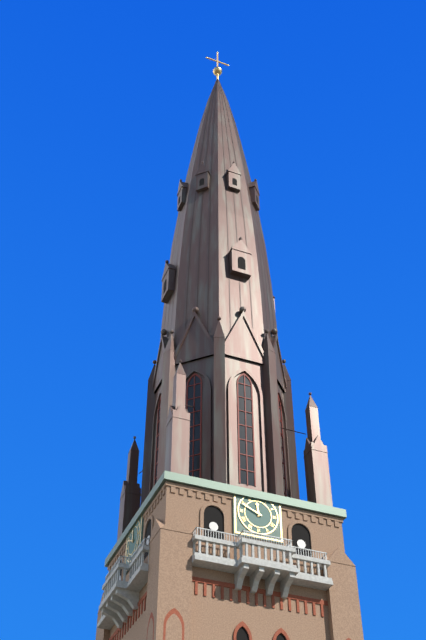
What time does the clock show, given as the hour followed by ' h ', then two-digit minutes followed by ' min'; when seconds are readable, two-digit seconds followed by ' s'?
11 h 49 min
